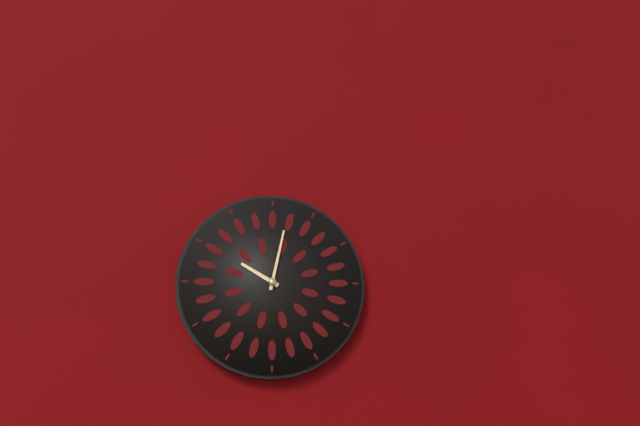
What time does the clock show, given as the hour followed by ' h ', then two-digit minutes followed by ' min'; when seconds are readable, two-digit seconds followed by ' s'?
10 h 02 min
